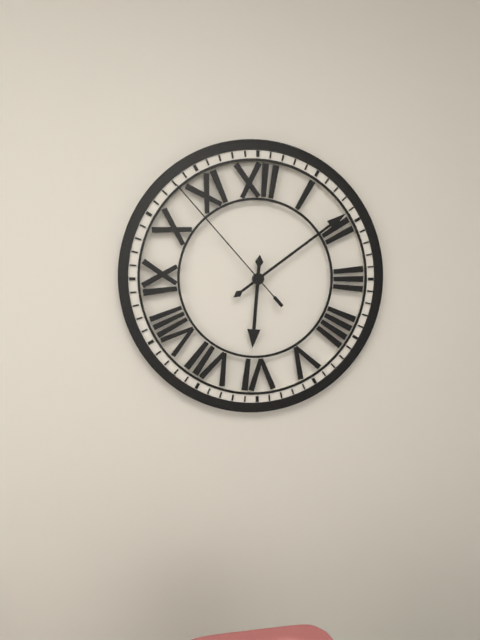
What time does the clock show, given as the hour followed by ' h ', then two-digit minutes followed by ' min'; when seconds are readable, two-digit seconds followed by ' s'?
6 h 09 min 53 s
